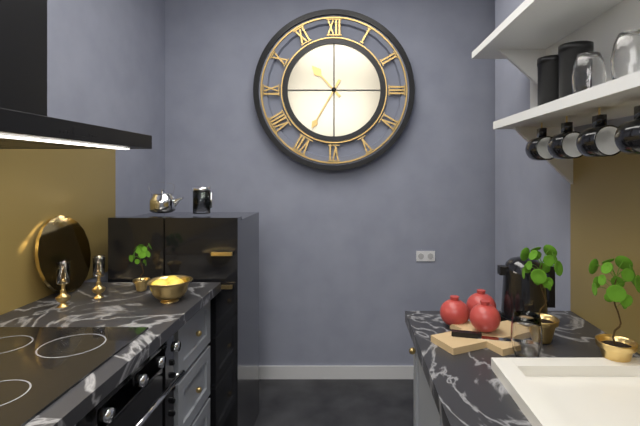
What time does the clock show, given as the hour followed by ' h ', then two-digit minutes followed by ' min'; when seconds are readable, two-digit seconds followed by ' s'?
10 h 35 min
